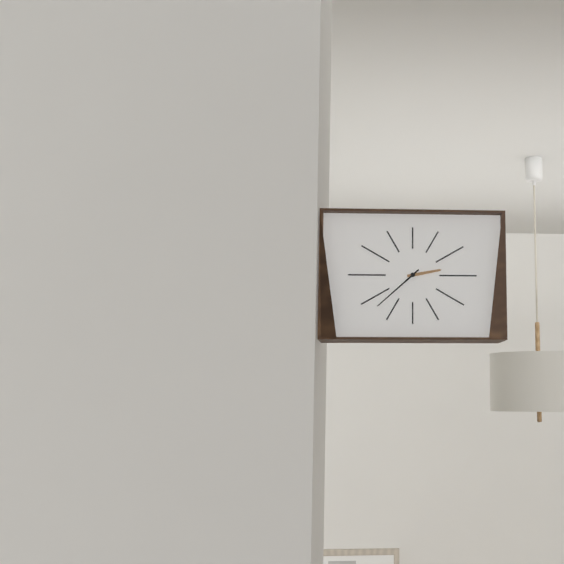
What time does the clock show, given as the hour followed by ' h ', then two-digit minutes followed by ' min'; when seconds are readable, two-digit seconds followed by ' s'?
2 h 38 min
